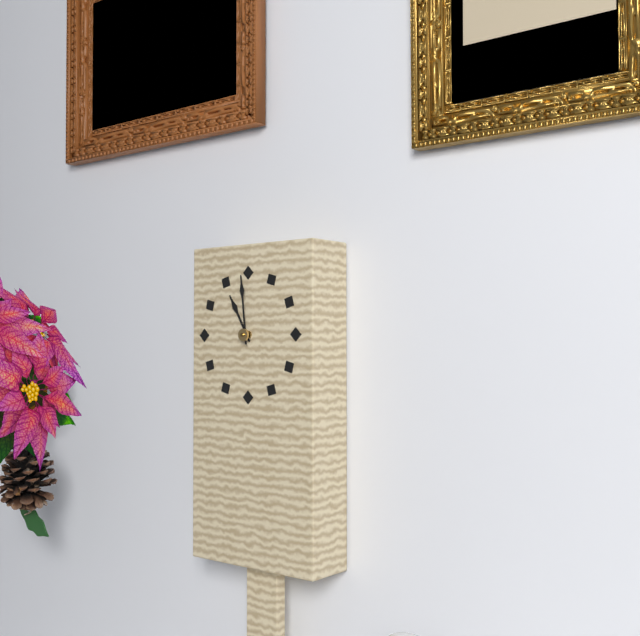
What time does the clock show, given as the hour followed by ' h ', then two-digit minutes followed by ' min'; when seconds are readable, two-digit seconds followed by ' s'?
10 h 59 min
